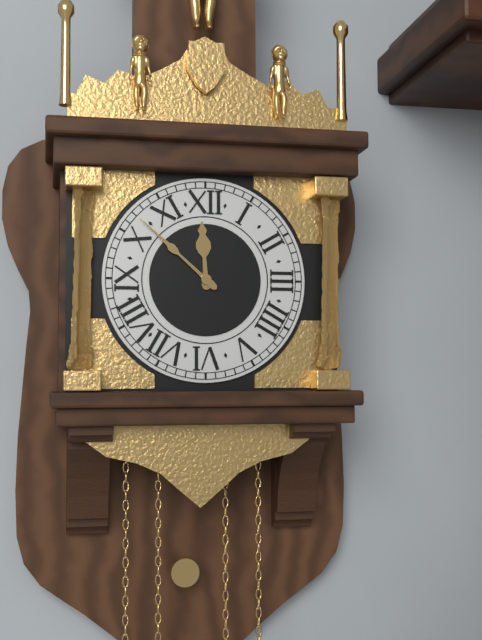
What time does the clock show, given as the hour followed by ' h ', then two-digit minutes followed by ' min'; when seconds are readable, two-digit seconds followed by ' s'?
11 h 52 min
